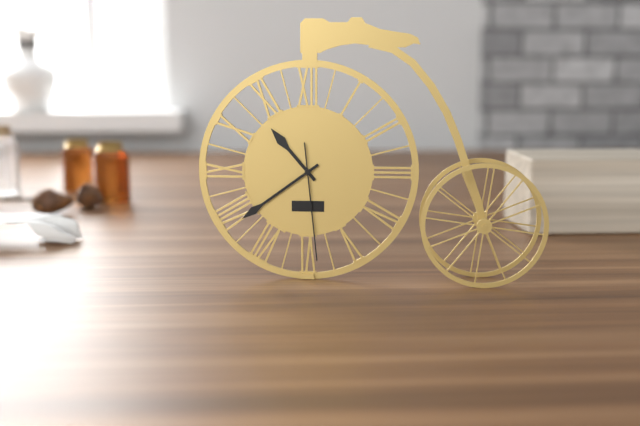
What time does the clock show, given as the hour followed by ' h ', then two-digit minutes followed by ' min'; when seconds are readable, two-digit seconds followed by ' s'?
10 h 39 min 29 s
